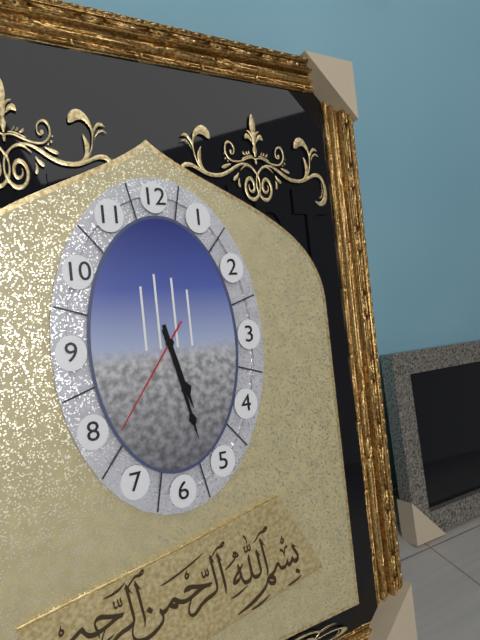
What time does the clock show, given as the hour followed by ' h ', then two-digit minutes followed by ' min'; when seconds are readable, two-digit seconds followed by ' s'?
5 h 28 min 36 s
